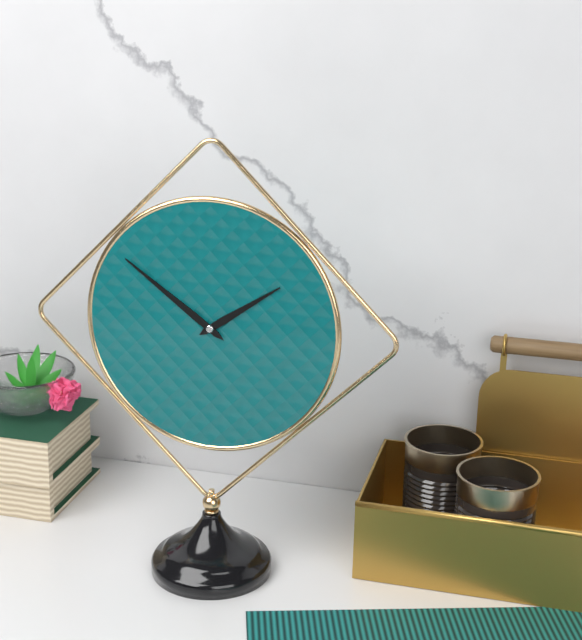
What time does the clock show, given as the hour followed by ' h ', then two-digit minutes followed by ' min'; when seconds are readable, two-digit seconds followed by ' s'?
1 h 51 min
